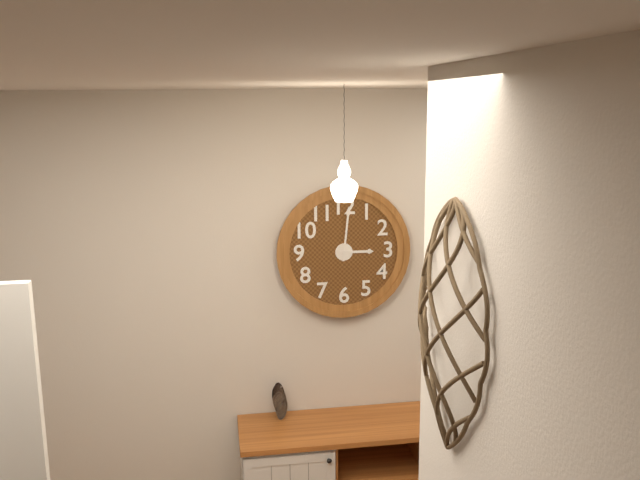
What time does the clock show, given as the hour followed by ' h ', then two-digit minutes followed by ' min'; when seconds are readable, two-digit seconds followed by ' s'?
3 h 01 min
